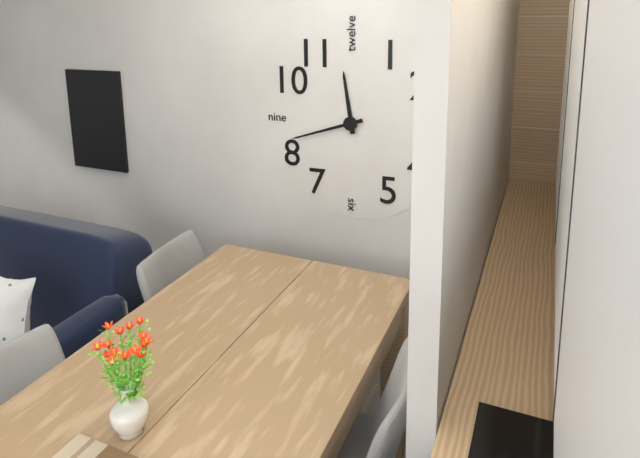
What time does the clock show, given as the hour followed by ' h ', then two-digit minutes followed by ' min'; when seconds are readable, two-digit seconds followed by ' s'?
11 h 42 min
